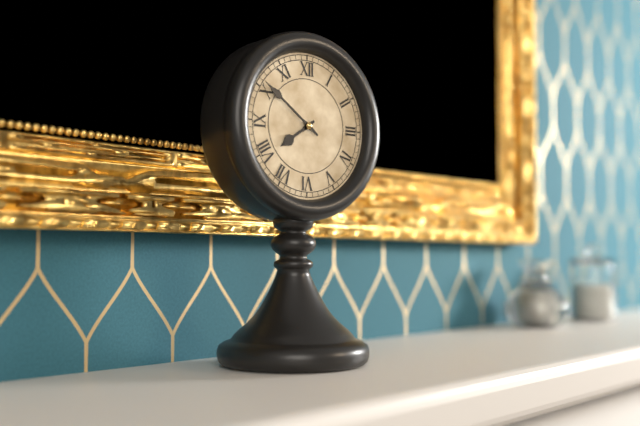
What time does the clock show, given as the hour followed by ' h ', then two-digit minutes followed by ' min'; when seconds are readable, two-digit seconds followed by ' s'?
7 h 51 min
